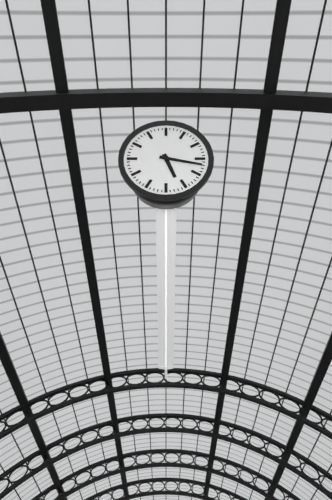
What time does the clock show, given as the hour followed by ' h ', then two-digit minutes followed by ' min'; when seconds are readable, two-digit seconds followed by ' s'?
5 h 17 min
